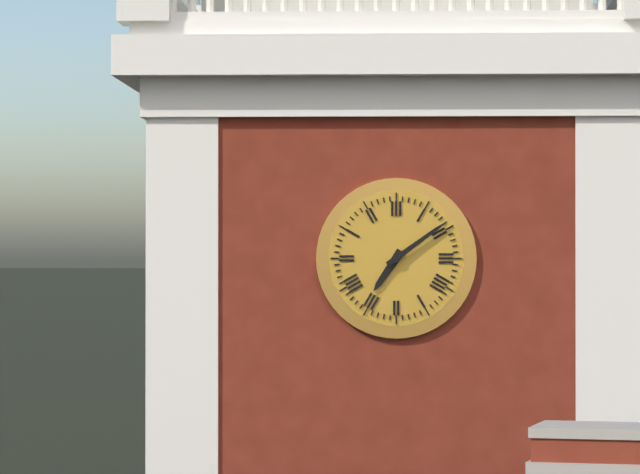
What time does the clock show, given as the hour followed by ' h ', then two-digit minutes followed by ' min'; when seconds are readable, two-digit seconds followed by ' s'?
7 h 09 min
